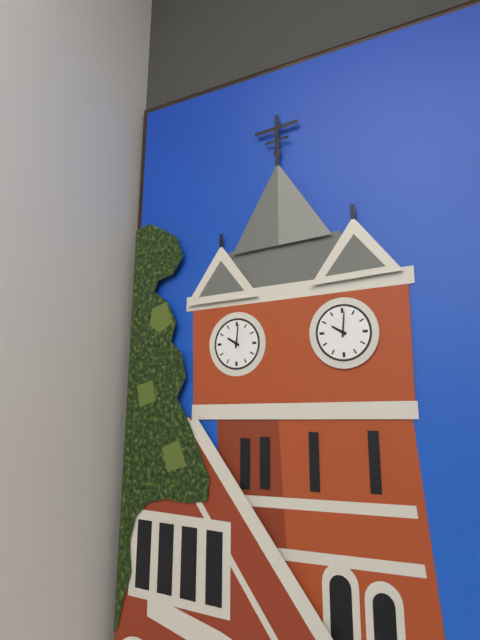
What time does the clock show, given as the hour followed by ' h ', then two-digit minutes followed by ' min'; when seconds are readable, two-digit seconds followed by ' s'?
10 h 01 min
